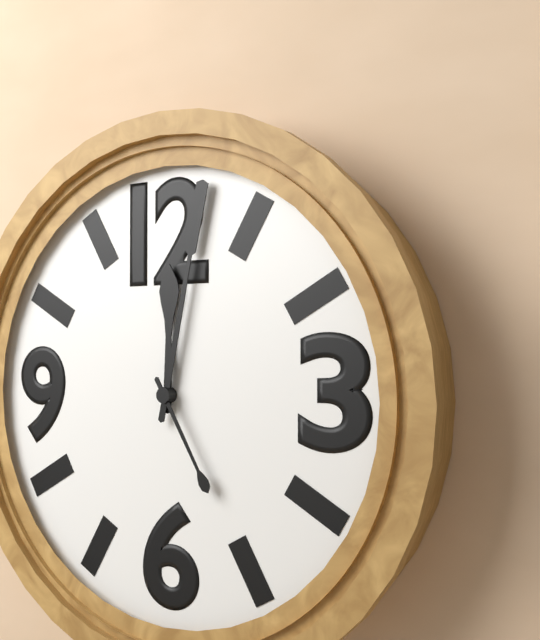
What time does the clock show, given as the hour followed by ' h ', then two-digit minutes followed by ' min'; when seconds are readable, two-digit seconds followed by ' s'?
12 h 02 min 25 s
